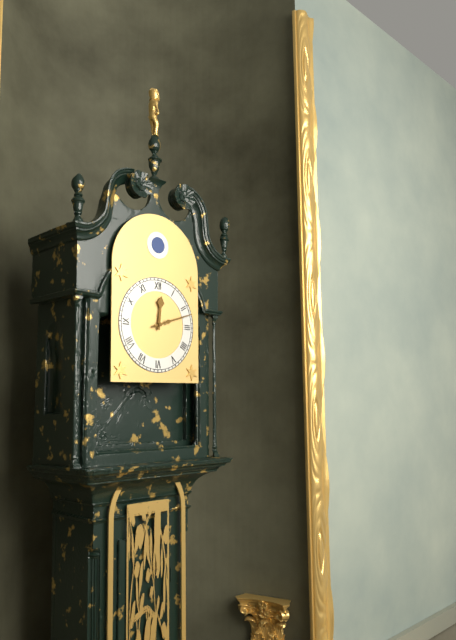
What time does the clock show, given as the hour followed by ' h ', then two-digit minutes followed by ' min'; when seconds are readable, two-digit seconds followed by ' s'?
12 h 12 min
